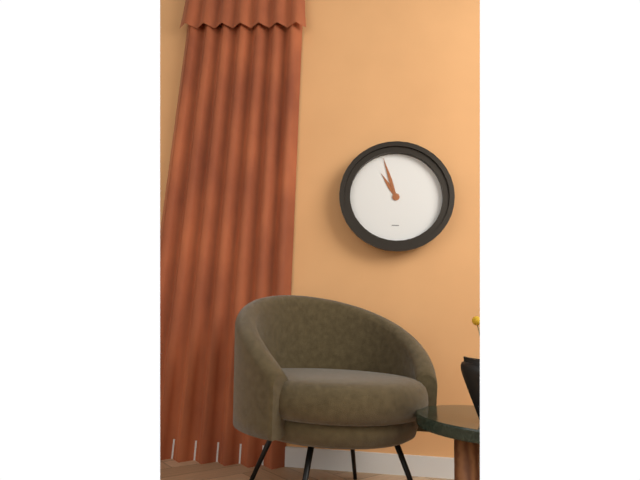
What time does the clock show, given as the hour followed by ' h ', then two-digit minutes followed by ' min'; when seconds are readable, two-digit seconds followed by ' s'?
10 h 57 min
